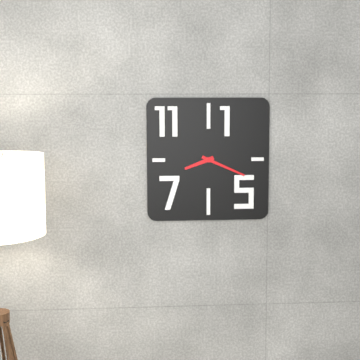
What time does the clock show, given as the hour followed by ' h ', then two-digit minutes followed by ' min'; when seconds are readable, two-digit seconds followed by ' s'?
8 h 19 min
